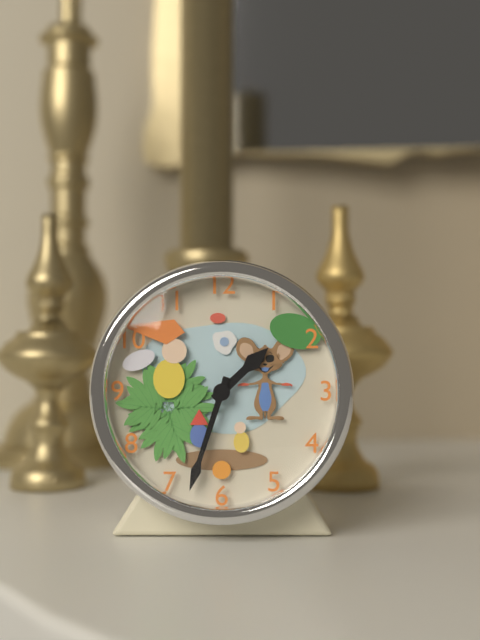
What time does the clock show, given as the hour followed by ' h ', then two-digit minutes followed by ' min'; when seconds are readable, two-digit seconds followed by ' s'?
1 h 33 min
